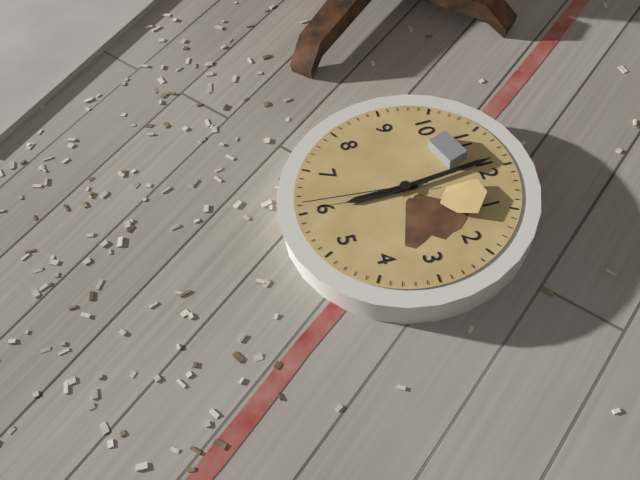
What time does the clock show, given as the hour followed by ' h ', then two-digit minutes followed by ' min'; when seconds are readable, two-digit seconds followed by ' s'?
5 h 59 min 31 s
